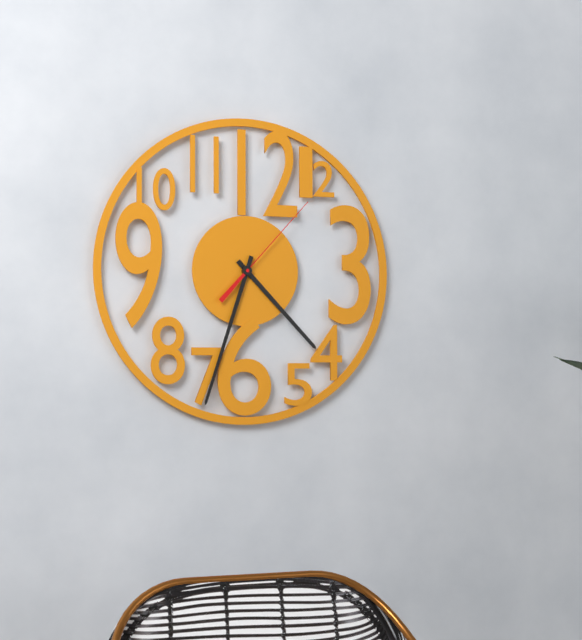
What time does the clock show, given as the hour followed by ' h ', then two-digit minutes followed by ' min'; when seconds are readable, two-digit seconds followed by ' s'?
4 h 33 min 07 s
